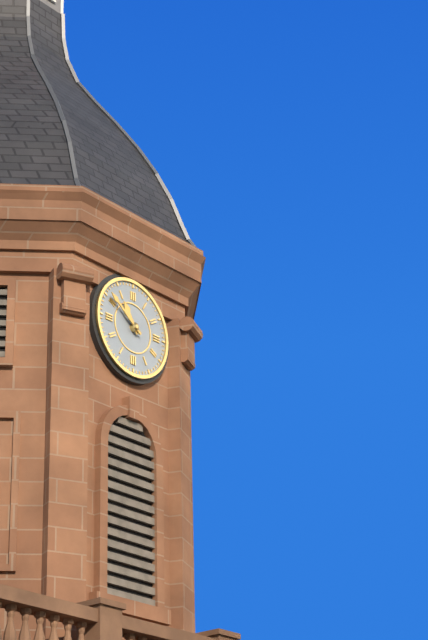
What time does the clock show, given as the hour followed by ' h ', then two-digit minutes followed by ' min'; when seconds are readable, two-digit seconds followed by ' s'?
10 h 51 min
